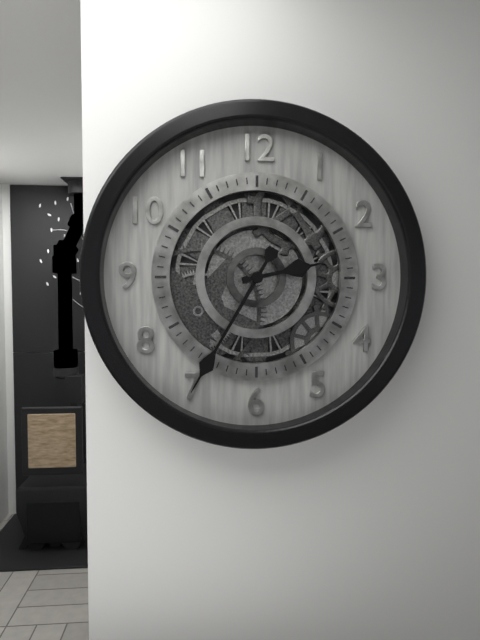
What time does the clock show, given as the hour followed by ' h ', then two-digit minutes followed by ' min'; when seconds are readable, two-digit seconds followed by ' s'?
2 h 35 min
